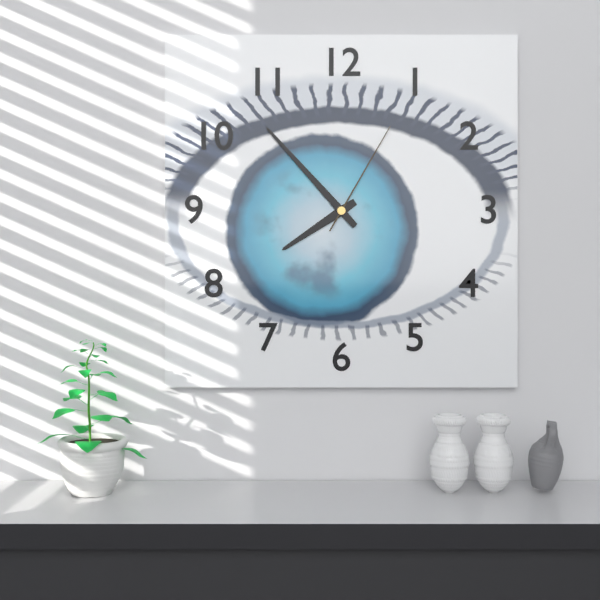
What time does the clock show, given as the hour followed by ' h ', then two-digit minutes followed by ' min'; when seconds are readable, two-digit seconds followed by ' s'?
7 h 53 min 05 s
